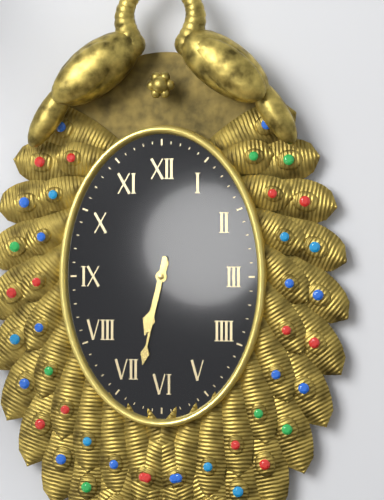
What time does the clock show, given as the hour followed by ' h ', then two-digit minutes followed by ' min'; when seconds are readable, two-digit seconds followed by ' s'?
6 h 32 min
